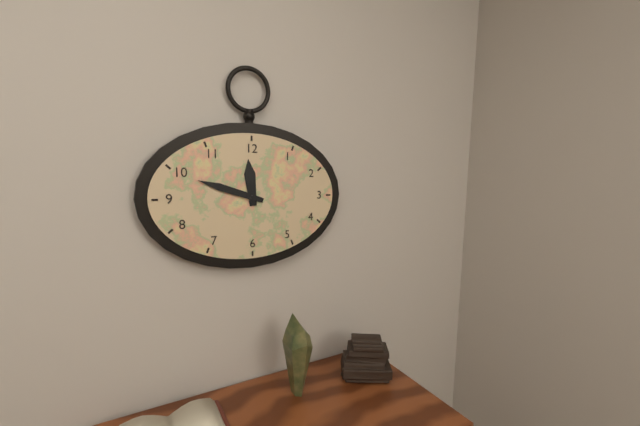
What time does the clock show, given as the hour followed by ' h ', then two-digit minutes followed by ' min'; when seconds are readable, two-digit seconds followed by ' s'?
11 h 48 min
